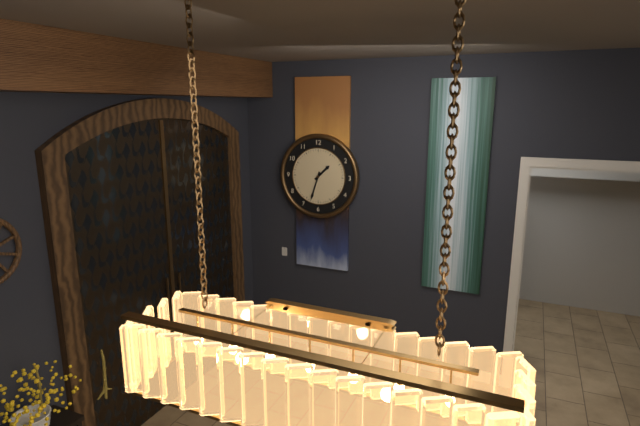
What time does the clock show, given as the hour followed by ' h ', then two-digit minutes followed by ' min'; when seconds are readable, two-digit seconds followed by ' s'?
1 h 33 min
